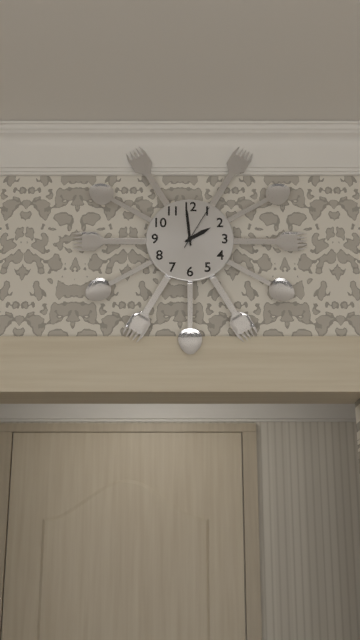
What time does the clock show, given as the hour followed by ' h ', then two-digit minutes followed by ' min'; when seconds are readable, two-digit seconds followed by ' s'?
1 h 59 min
